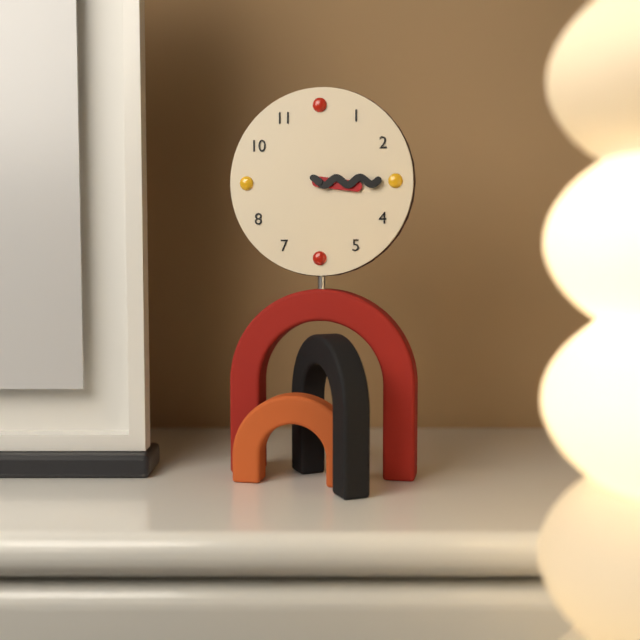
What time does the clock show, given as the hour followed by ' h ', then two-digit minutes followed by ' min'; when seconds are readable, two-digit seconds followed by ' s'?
3 h 15 min
